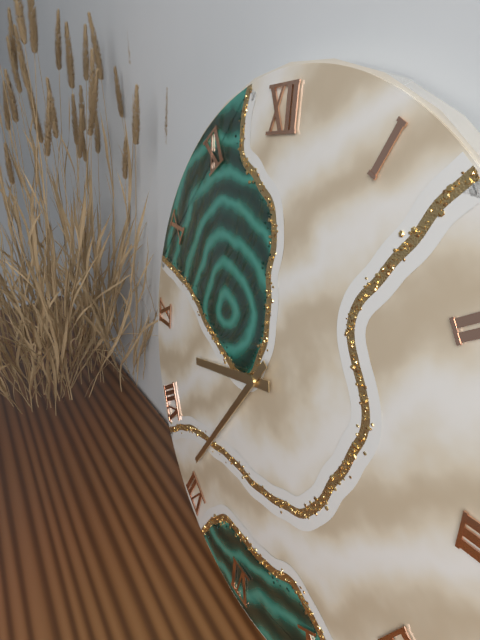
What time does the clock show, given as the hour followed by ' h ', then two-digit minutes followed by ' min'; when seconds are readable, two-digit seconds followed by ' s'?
8 h 36 min
